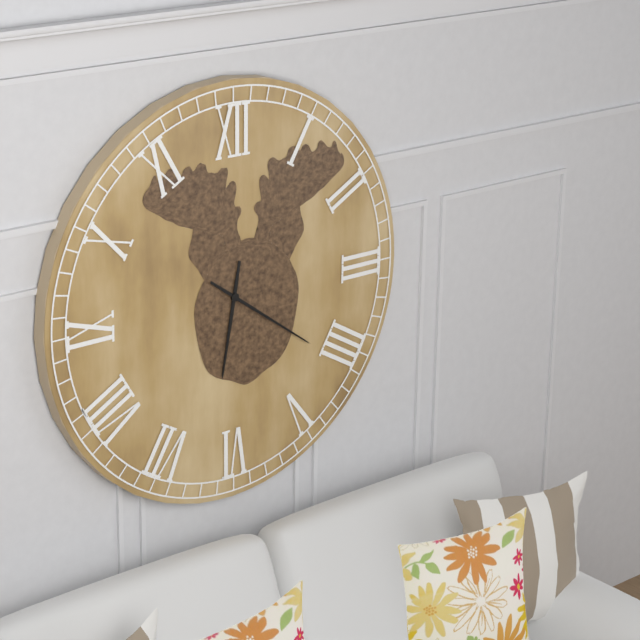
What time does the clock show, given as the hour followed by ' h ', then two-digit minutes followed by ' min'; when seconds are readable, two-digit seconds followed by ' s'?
6 h 21 min
